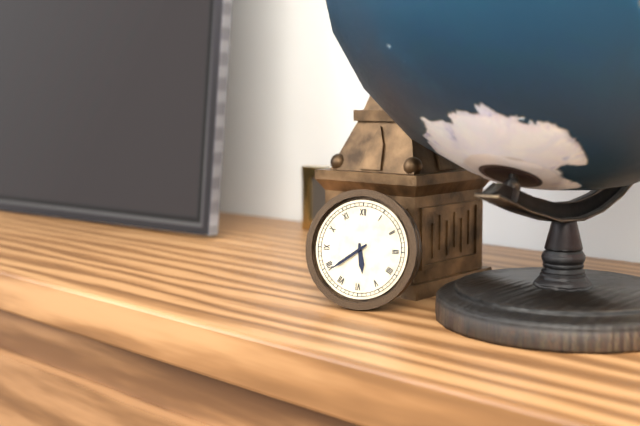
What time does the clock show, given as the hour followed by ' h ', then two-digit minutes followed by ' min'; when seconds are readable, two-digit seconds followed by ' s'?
5 h 39 min
